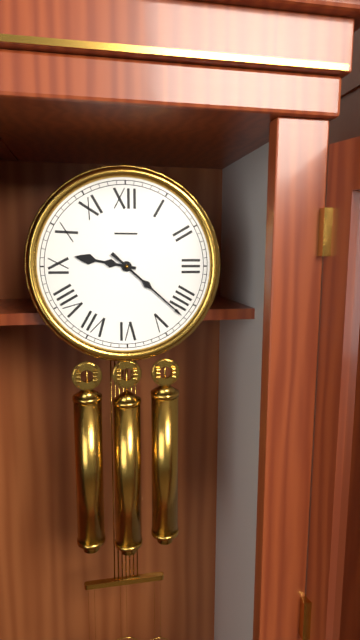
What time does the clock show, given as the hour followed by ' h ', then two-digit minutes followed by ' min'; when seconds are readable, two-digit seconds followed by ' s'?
9 h 22 min
